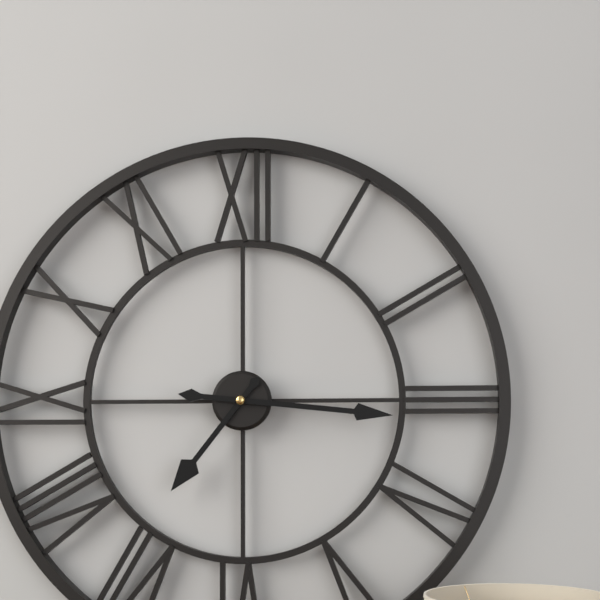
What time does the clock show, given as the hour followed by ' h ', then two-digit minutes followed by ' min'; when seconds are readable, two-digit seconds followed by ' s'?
7 h 16 min
